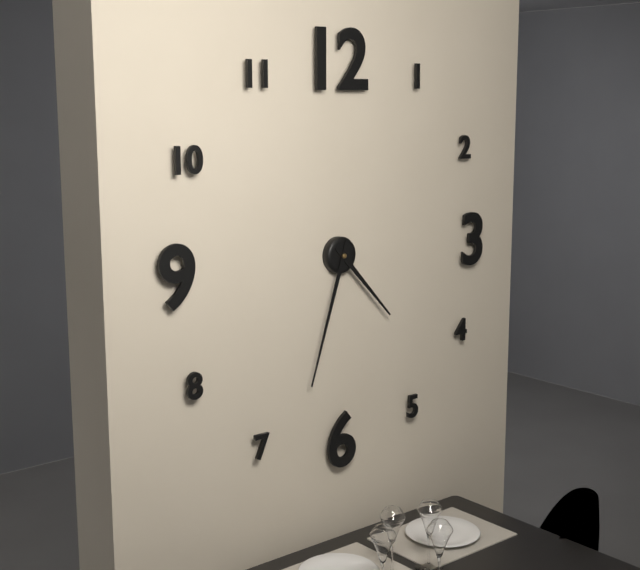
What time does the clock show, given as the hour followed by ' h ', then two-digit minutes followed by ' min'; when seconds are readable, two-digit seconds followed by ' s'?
4 h 33 min
